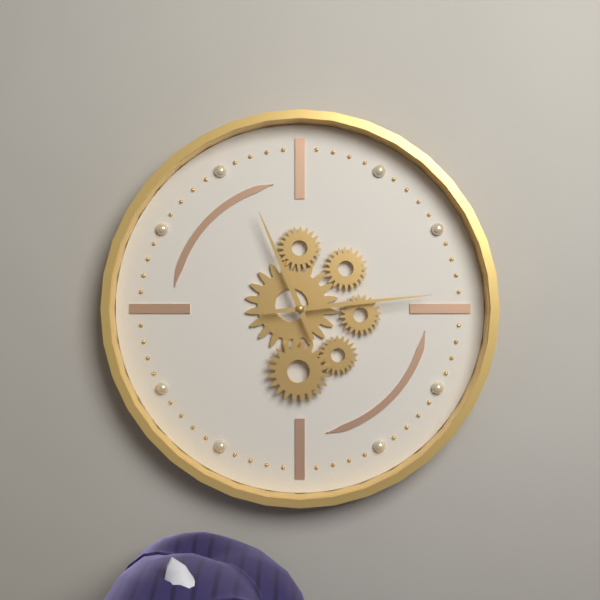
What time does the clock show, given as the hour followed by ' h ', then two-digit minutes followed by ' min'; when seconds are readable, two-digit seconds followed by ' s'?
11 h 14 min
